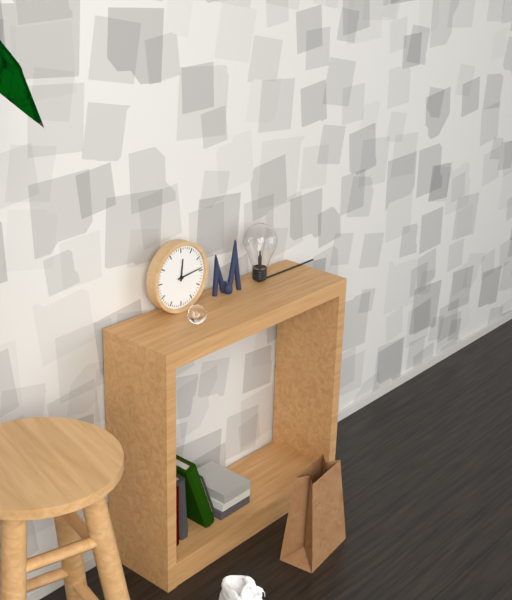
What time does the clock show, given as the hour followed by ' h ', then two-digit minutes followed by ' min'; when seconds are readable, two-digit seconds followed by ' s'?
12 h 14 min
